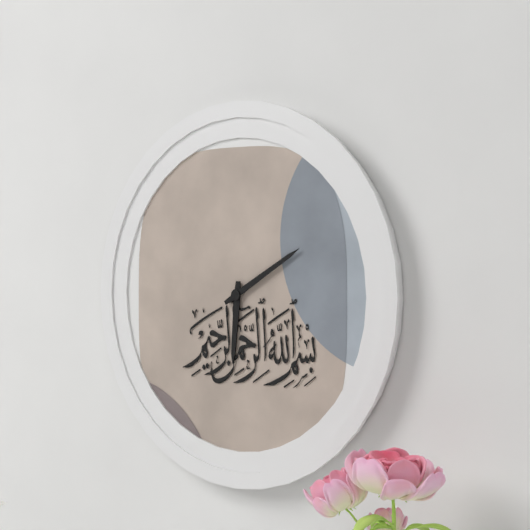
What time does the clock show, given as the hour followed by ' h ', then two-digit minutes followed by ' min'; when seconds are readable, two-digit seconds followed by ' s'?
6 h 10 min
